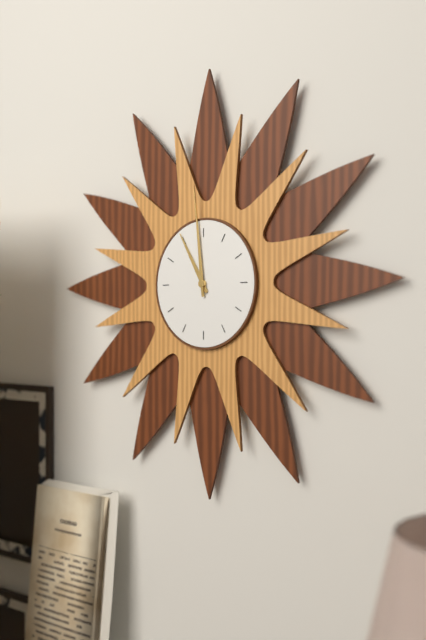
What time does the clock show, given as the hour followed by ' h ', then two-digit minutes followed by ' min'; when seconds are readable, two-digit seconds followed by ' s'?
10 h 59 min
